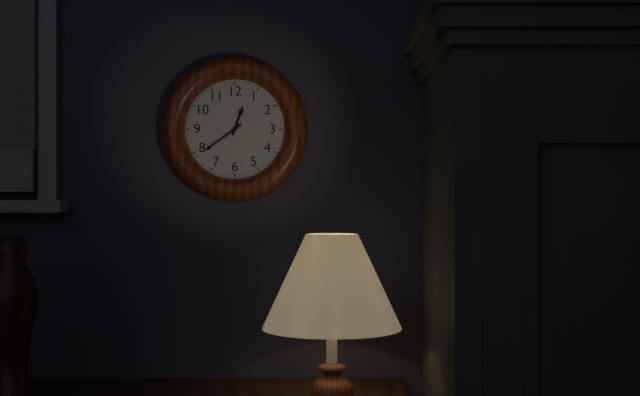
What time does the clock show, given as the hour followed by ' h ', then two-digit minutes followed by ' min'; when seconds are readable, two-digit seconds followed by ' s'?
12 h 39 min
